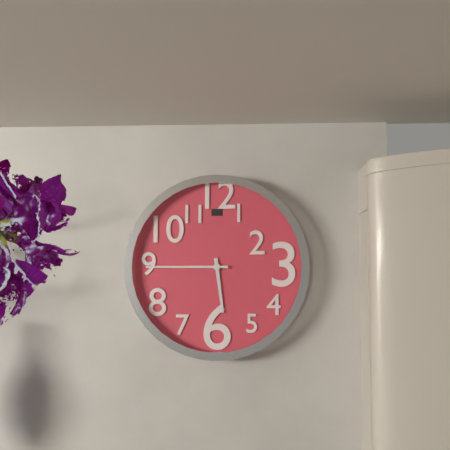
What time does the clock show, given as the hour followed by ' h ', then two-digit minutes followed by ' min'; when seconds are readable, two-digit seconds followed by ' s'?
5 h 45 min
